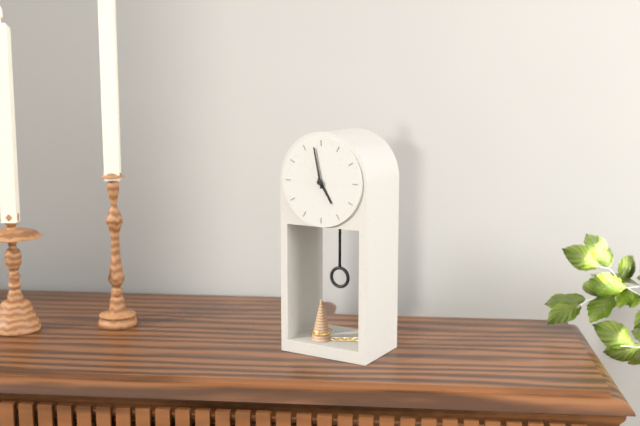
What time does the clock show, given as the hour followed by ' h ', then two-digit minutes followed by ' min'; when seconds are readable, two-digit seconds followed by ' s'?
4 h 58 min
